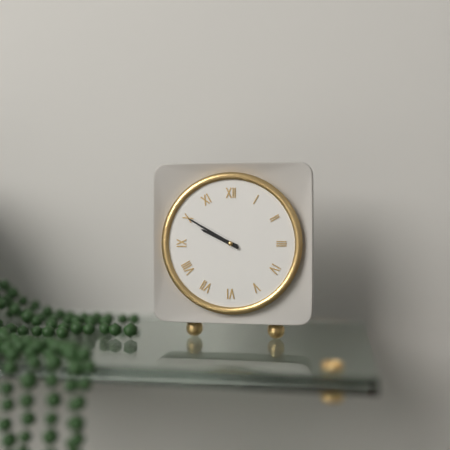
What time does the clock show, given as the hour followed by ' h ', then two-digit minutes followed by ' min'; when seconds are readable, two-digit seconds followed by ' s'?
9 h 50 min
